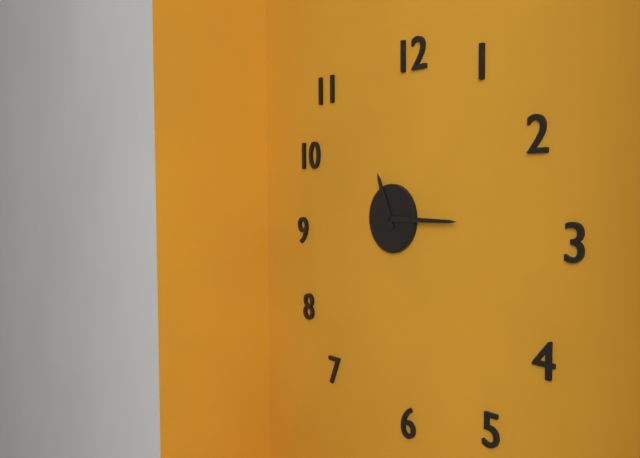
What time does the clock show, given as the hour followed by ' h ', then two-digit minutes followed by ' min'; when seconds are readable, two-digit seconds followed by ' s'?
11 h 15 min
